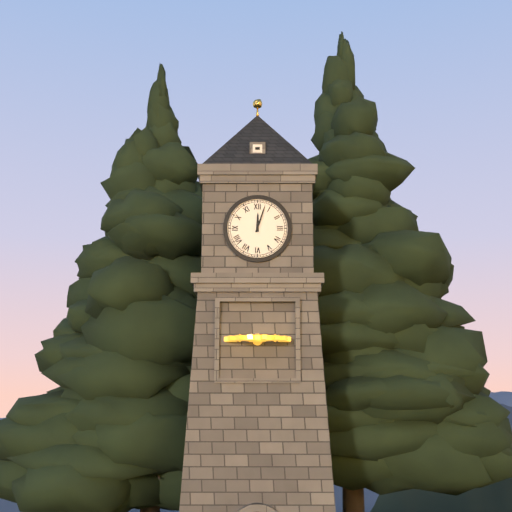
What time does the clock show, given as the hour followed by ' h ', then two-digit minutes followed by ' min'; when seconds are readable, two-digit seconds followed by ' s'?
12 h 03 min
